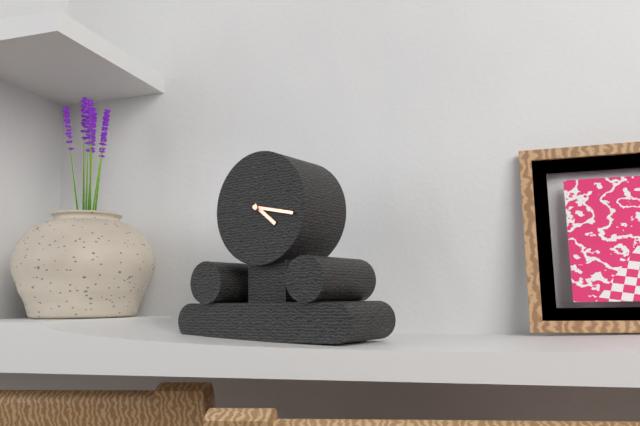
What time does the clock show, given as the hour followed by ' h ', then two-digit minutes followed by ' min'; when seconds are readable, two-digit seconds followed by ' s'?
4 h 17 min
